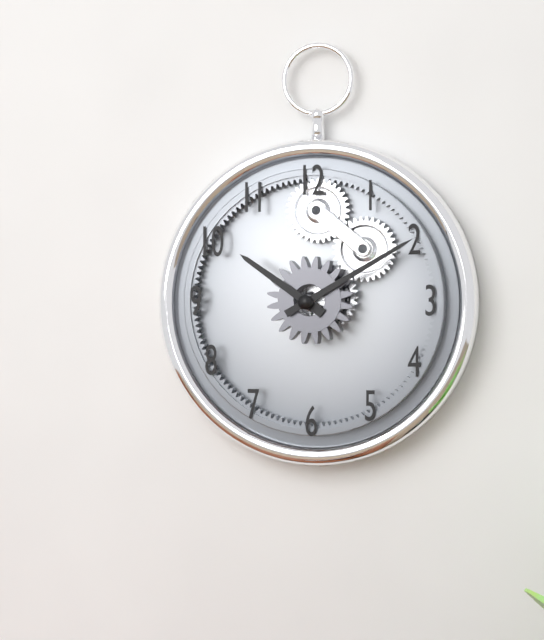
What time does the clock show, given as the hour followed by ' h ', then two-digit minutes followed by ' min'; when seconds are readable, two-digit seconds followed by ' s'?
10 h 10 min
